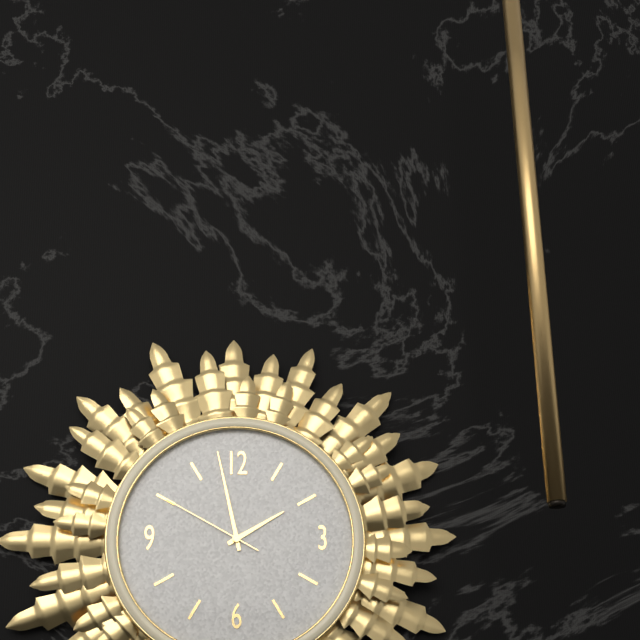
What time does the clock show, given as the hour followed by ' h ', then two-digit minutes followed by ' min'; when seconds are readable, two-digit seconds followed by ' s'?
1 h 58 min 50 s
